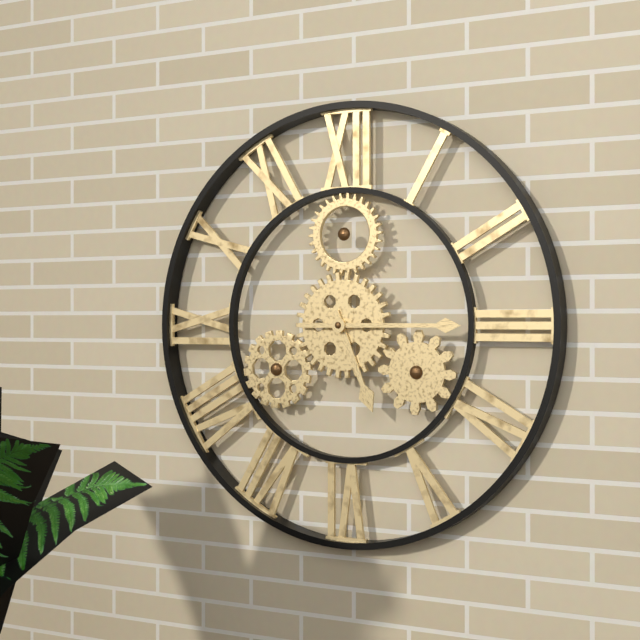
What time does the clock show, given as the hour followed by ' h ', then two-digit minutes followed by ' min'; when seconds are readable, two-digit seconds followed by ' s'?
5 h 15 min
